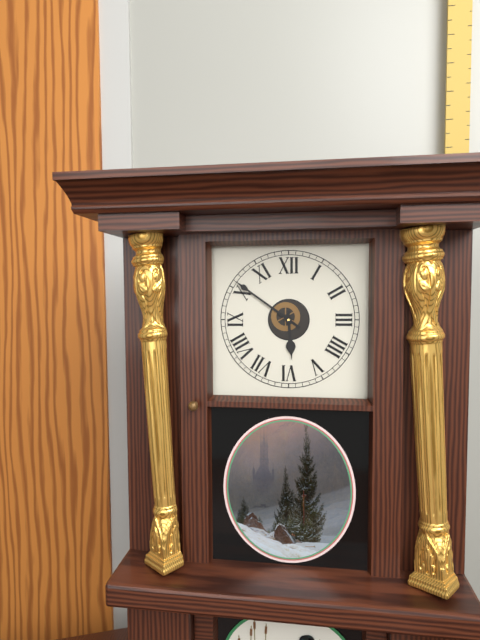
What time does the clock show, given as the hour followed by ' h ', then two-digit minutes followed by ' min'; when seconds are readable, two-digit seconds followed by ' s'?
5 h 51 min
